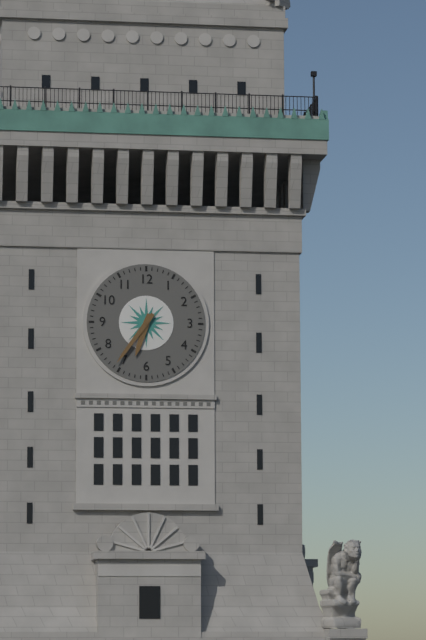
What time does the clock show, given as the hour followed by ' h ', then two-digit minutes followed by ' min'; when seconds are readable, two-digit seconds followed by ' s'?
6 h 36 min
